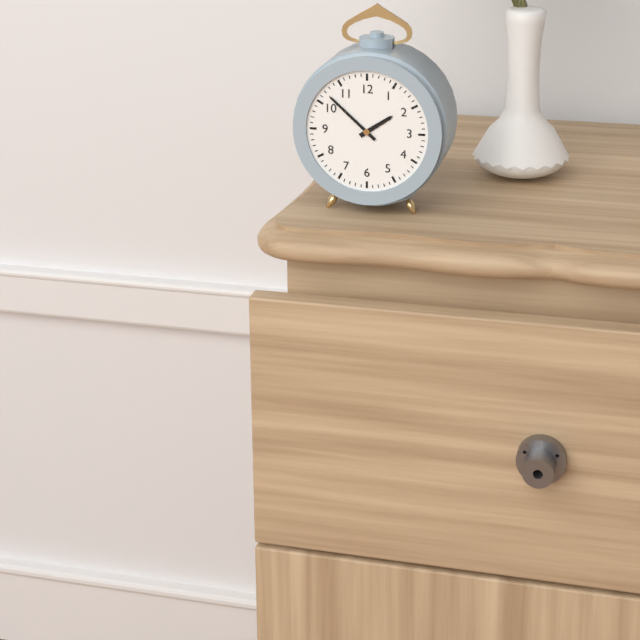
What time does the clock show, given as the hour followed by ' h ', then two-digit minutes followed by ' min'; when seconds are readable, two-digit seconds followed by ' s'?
1 h 52 min
